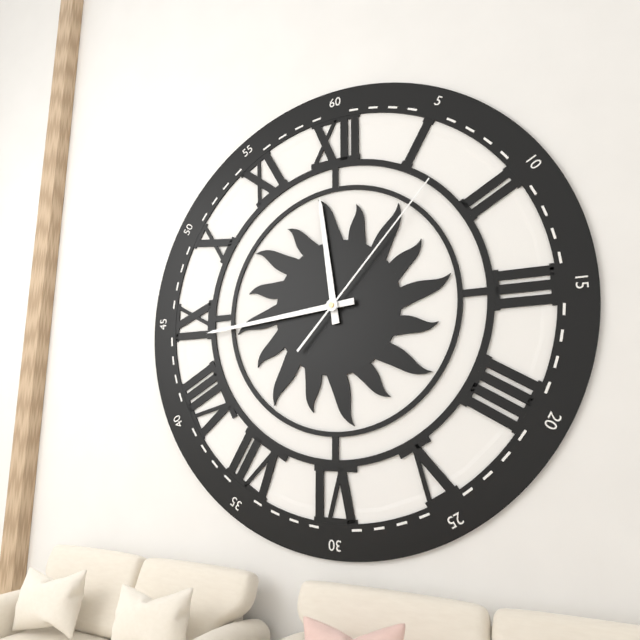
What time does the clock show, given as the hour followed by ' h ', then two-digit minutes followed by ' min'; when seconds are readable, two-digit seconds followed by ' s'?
11 h 44 min 07 s
